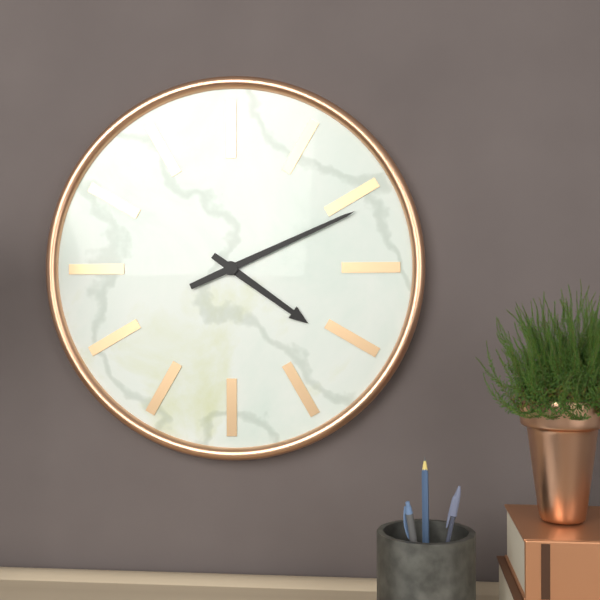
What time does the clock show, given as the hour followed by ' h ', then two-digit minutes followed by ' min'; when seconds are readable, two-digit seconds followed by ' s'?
4 h 11 min
